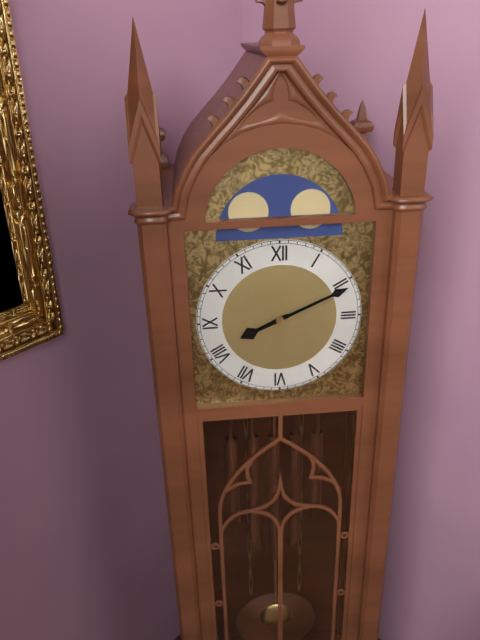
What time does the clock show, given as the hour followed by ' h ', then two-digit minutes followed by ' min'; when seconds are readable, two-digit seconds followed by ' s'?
8 h 11 min
